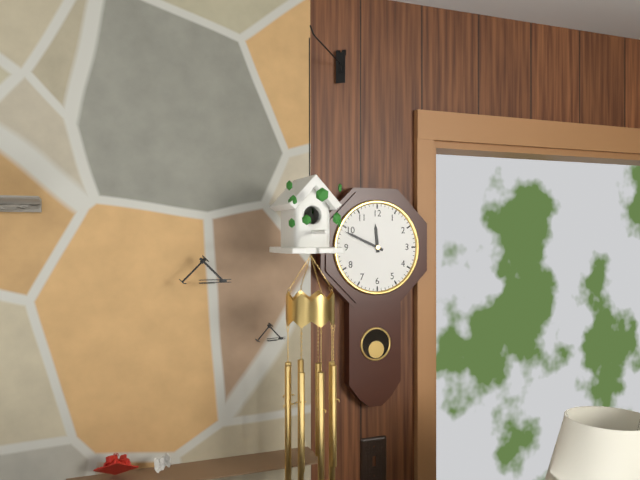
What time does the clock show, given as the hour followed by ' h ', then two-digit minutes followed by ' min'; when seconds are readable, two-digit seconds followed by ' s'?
11 h 49 min
